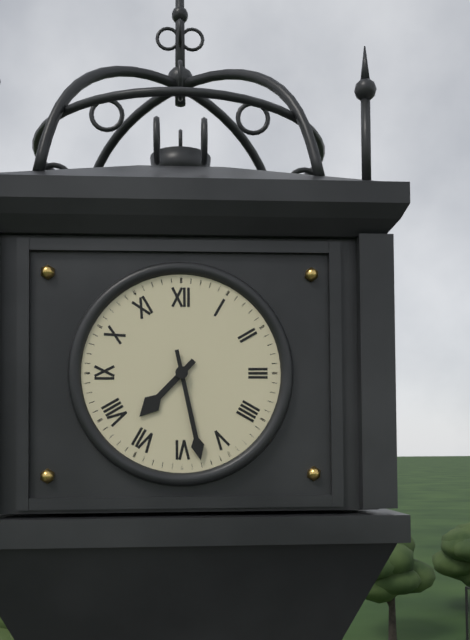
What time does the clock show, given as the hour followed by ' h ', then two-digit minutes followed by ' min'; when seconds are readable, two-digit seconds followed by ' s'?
7 h 28 min
